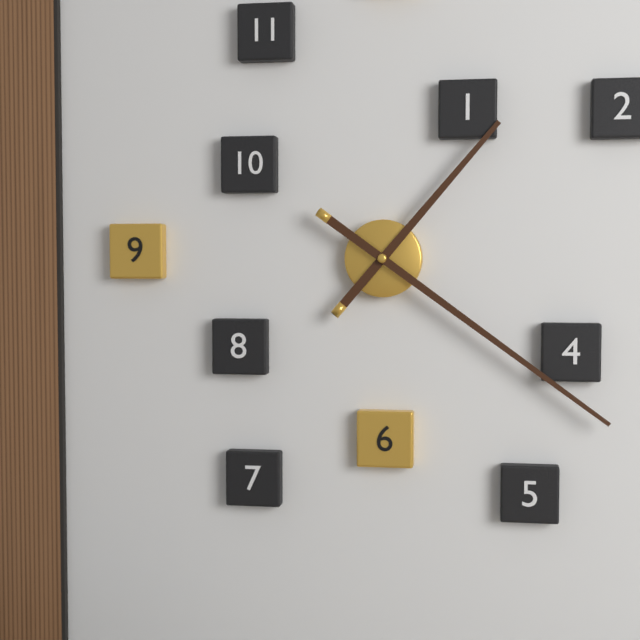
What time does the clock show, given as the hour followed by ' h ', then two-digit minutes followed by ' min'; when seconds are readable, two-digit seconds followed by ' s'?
1 h 21 min
